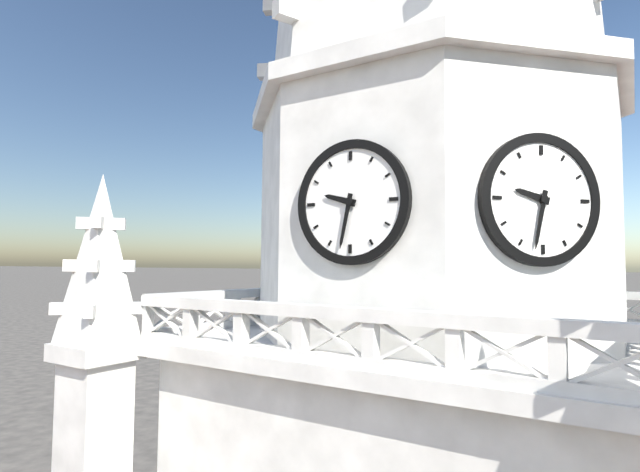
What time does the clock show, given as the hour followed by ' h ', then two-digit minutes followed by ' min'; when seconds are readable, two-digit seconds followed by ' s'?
9 h 32 min
